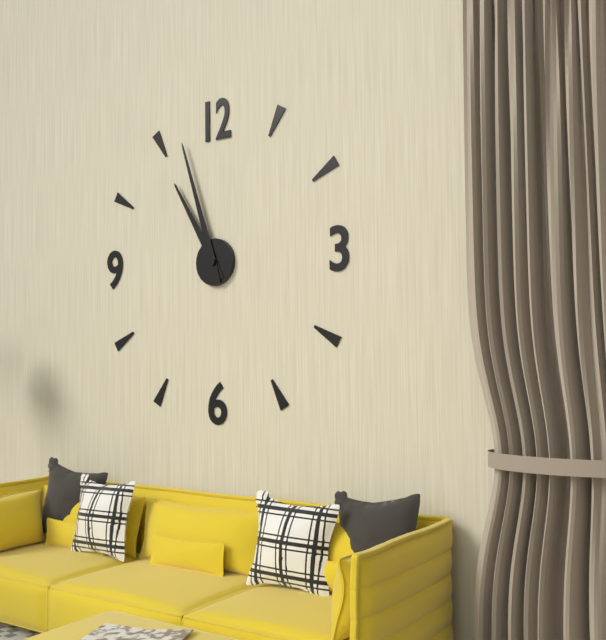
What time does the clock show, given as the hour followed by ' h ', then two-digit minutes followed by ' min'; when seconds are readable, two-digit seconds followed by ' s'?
10 h 57 min
